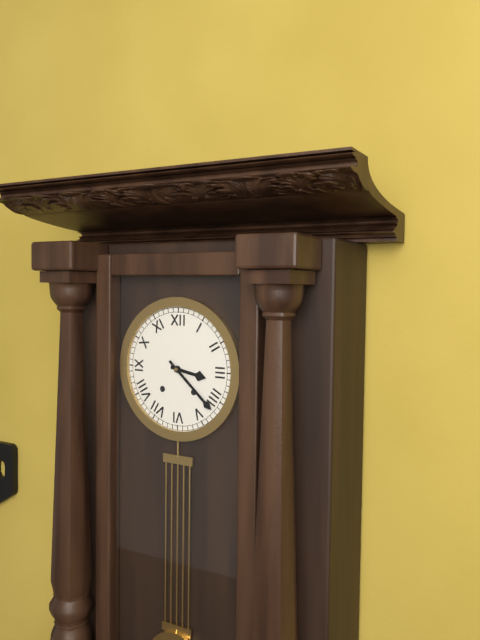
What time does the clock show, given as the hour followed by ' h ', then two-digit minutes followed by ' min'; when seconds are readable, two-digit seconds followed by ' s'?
3 h 22 min
